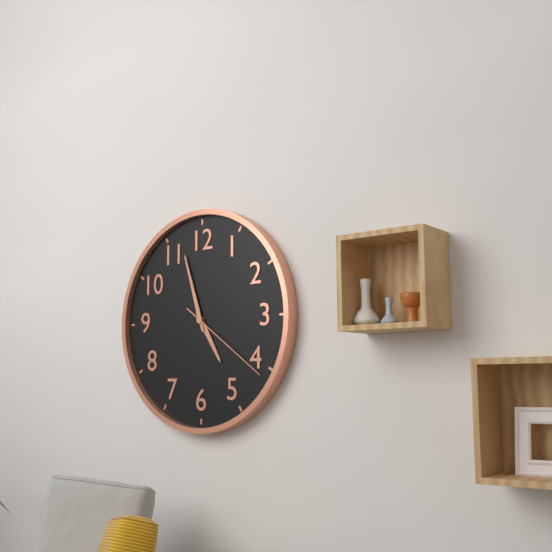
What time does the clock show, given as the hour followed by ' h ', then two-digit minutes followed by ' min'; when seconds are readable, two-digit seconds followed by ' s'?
4 h 57 min 21 s
